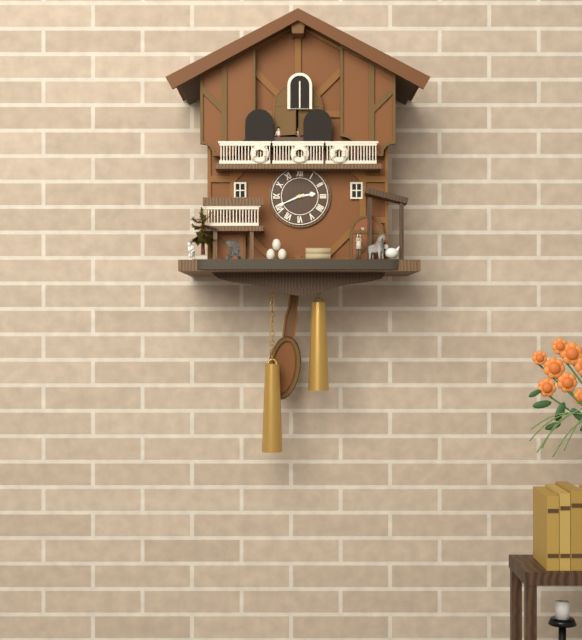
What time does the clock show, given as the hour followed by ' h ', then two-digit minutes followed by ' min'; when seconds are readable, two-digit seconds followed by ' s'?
2 h 41 min
